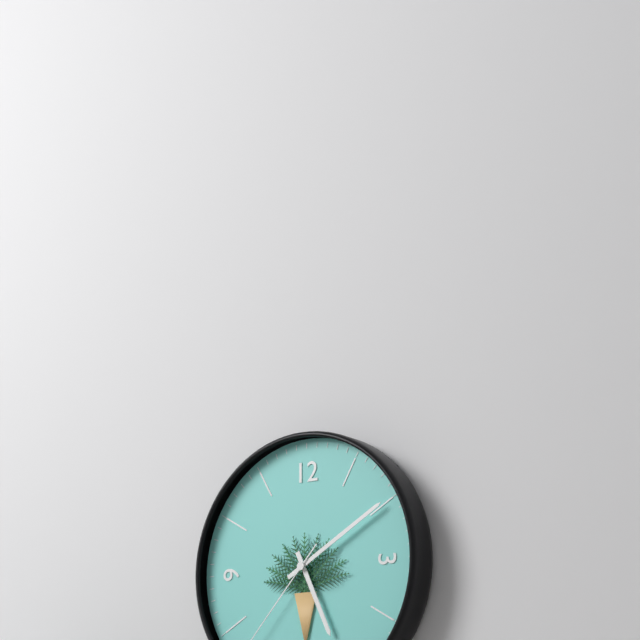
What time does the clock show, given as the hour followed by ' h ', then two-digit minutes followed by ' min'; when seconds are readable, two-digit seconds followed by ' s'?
5 h 10 min
